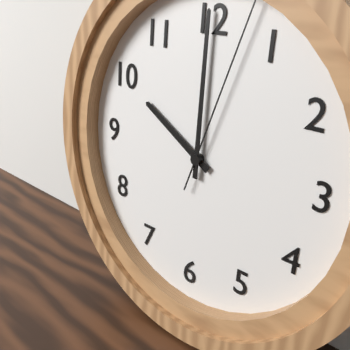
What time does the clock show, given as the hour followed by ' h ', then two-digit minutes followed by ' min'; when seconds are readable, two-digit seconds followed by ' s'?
10 h 00 min
